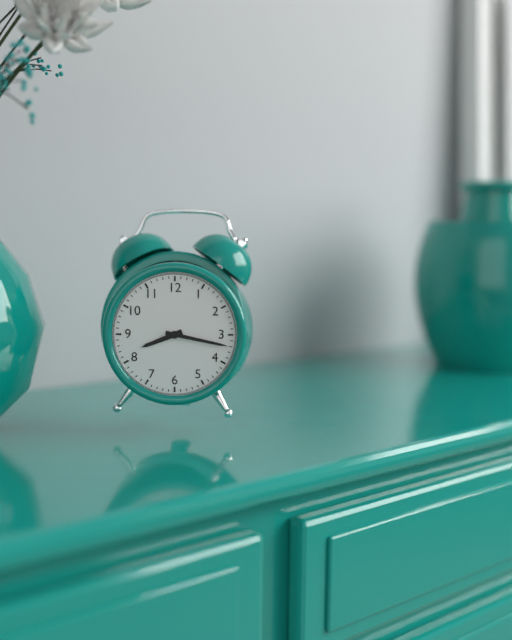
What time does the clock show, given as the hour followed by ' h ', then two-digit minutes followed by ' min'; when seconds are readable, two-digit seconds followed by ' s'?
8 h 17 min
